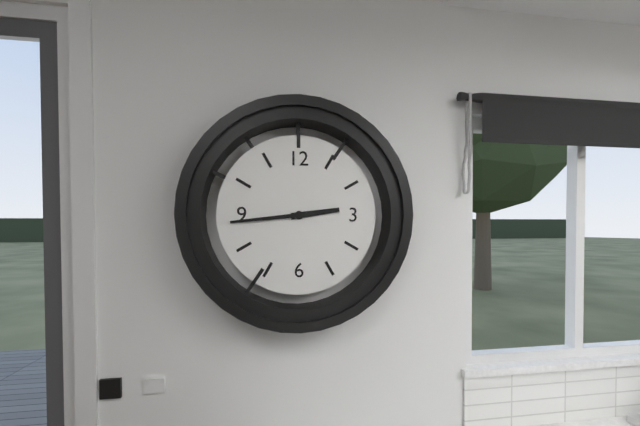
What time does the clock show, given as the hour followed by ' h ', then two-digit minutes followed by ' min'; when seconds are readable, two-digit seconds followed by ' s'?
2 h 44 min
